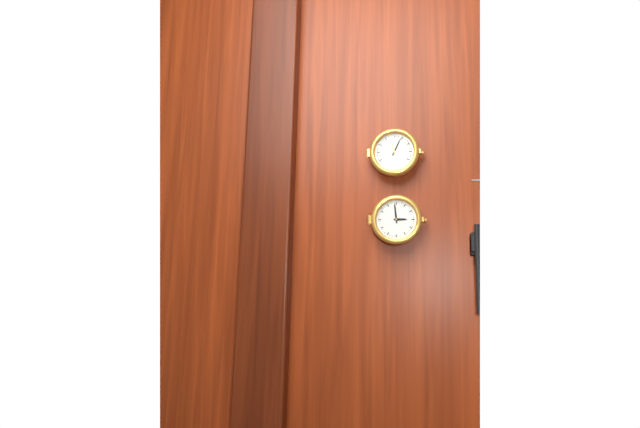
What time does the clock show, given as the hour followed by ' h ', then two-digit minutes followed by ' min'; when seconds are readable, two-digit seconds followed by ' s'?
2 h 59 min
